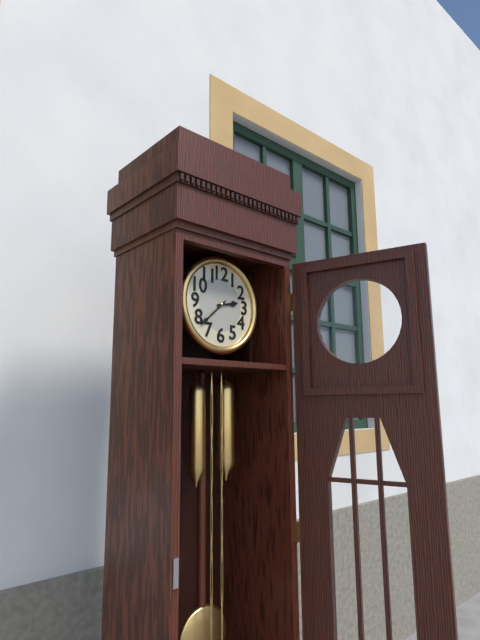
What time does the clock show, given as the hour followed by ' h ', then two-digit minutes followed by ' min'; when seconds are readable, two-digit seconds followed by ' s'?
2 h 38 min
